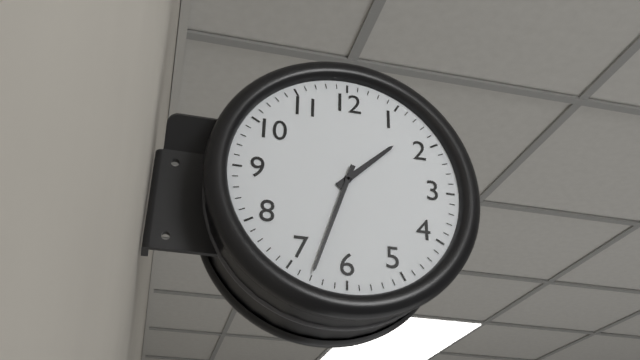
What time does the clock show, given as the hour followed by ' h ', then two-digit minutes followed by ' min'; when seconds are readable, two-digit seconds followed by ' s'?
1 h 33 min
